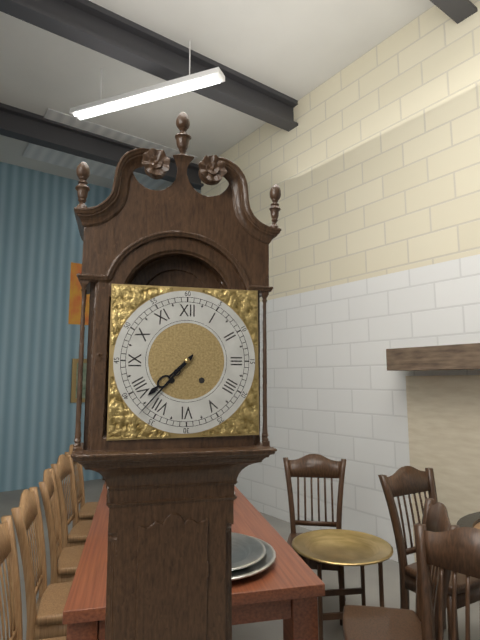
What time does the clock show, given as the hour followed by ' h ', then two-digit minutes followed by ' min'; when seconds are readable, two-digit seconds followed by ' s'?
7 h 37 min
